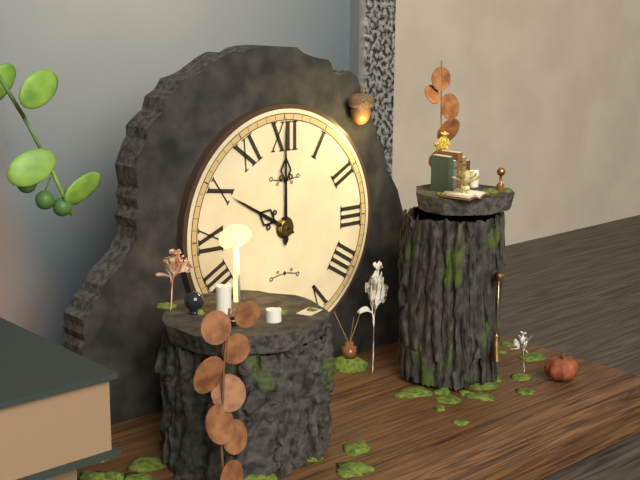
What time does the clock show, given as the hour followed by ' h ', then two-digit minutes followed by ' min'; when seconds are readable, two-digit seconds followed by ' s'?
10 h 00 min
